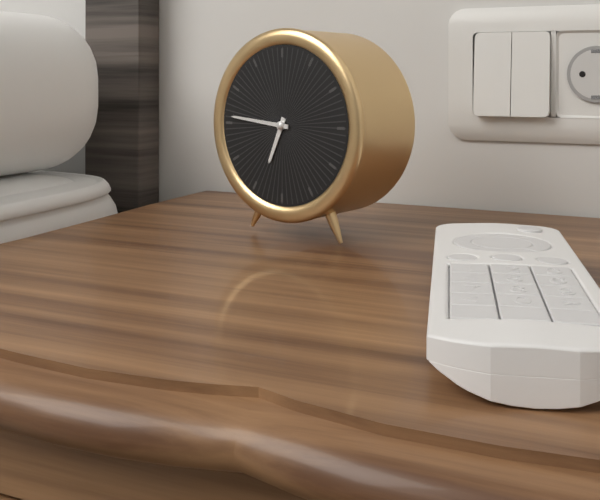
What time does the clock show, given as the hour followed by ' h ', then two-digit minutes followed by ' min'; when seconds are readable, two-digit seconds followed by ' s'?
6 h 46 min
